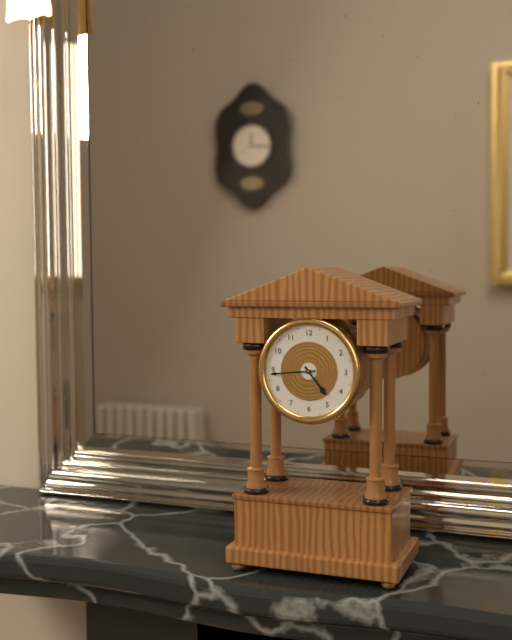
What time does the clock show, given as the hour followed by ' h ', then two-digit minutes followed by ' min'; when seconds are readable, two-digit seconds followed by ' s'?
4 h 44 min
